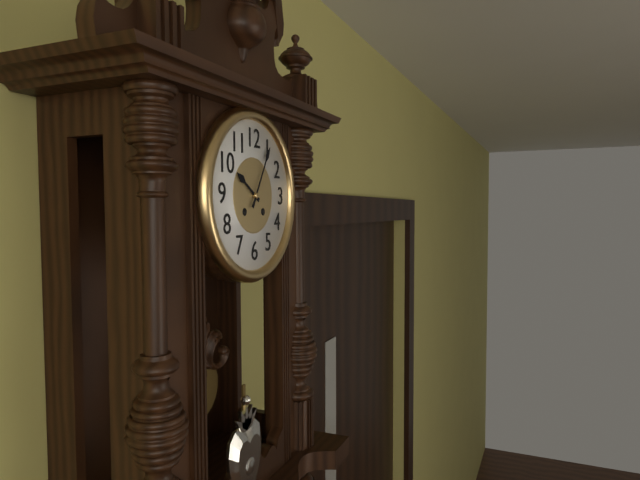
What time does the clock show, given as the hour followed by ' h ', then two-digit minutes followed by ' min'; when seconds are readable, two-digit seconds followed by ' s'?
10 h 05 min
